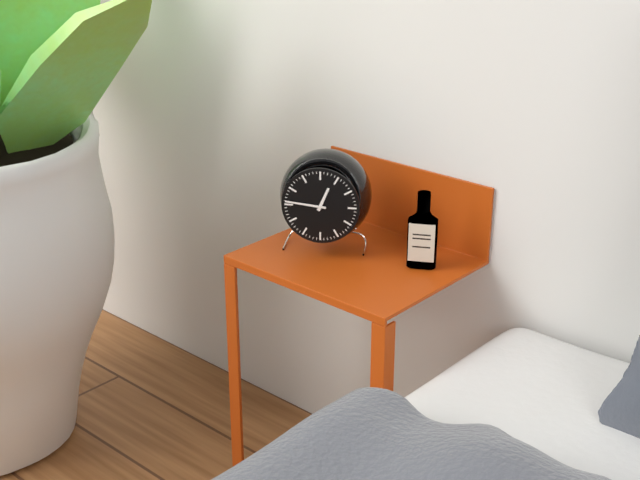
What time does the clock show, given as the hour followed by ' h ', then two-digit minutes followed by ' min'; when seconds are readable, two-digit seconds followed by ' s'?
12 h 46 min
